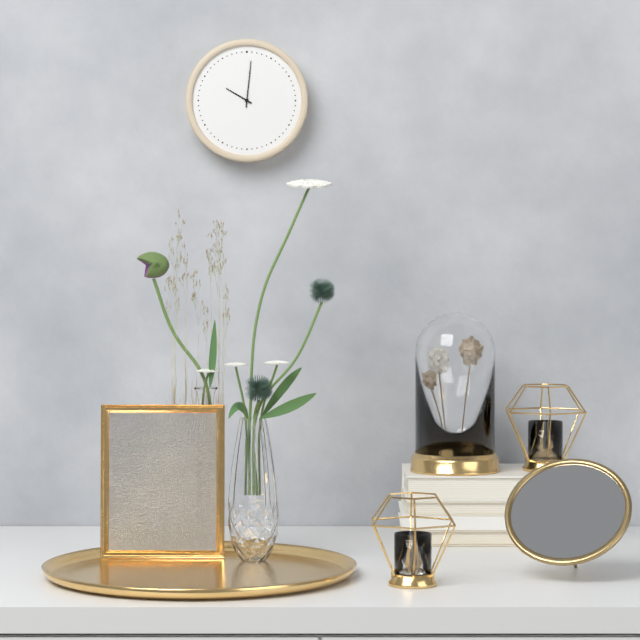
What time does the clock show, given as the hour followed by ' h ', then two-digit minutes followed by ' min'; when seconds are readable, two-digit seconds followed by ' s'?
10 h 01 min
